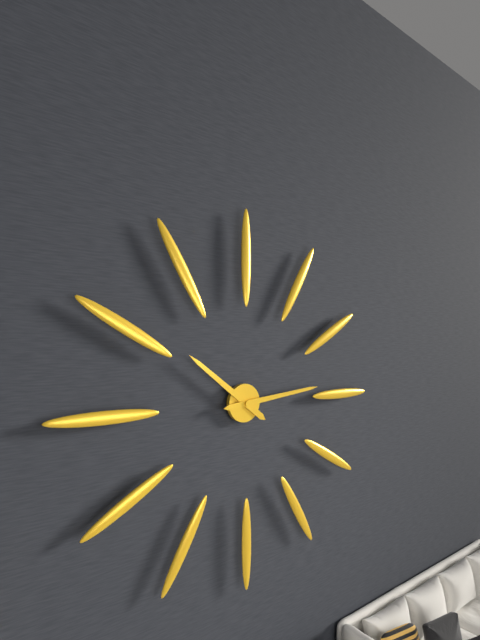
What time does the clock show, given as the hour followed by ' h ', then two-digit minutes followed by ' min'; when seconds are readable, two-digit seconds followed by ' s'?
10 h 14 min
